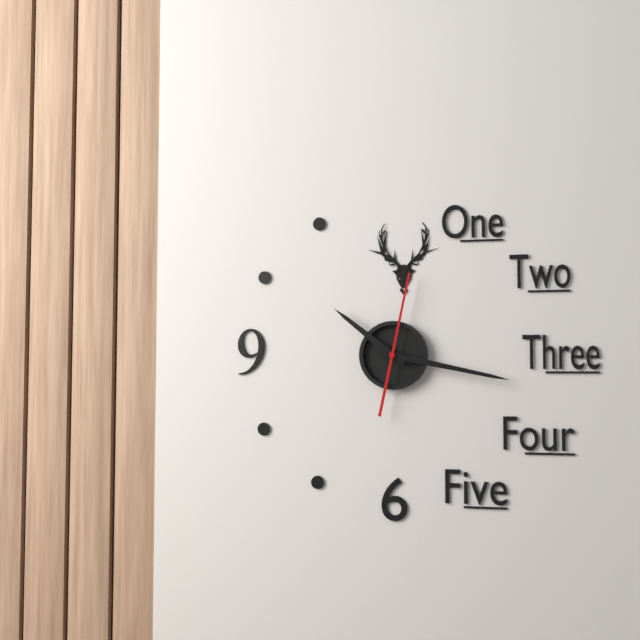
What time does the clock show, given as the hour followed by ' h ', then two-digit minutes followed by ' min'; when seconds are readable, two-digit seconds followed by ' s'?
10 h 17 min 02 s
